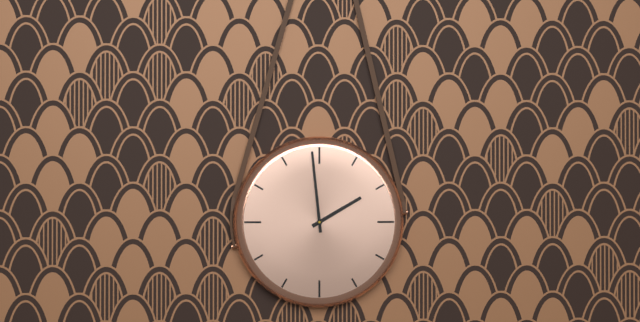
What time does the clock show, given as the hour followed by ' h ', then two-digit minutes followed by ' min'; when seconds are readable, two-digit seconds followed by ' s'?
1 h 59 min
